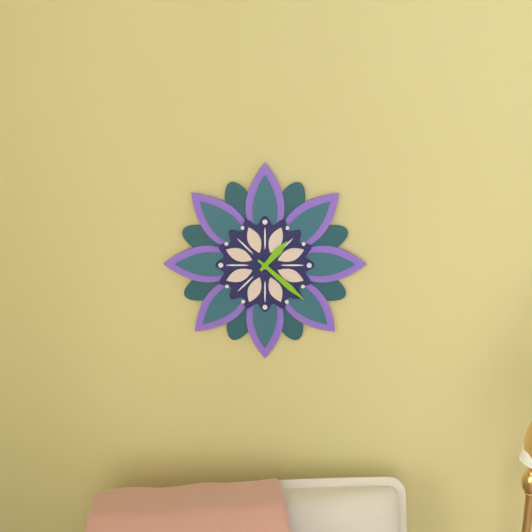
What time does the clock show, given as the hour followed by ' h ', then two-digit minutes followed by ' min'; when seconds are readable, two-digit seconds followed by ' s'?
1 h 22 min
